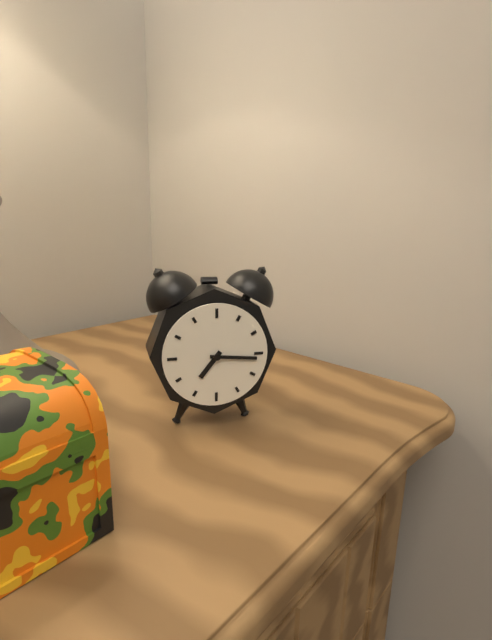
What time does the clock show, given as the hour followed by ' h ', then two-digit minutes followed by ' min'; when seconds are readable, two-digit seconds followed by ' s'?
7 h 16 min
